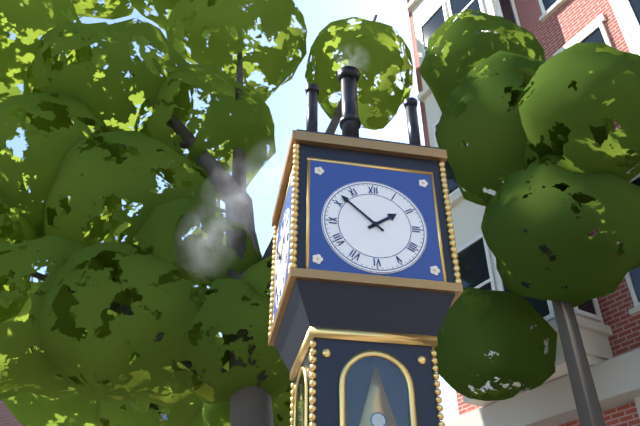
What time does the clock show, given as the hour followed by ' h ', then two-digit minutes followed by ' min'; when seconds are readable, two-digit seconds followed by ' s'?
1 h 52 min
